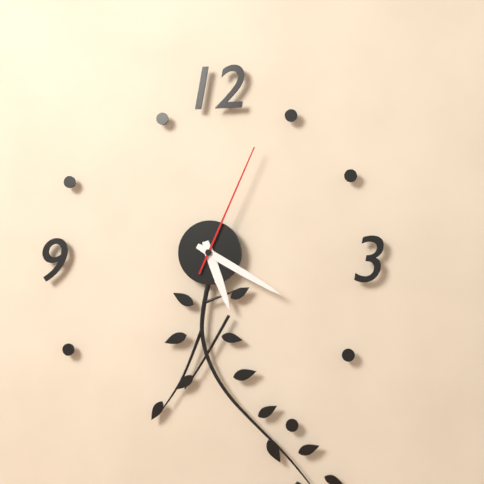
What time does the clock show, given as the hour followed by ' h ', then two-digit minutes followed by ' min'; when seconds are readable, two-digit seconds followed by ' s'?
5 h 20 min 04 s
